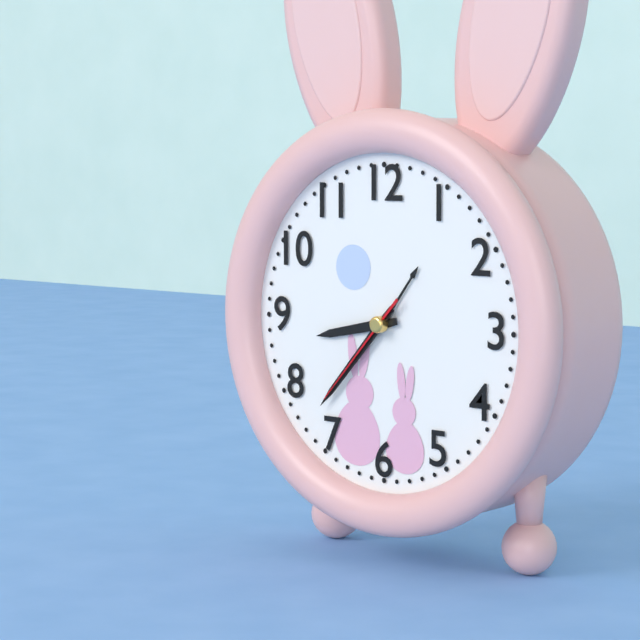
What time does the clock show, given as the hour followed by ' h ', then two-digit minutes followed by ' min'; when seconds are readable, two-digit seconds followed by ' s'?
8 h 37 min 37 s
